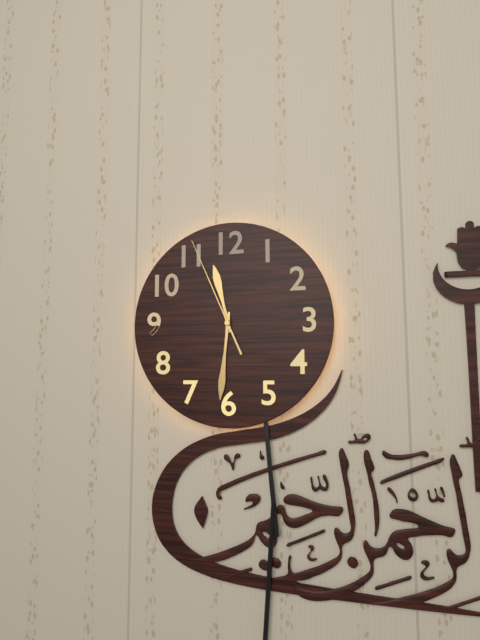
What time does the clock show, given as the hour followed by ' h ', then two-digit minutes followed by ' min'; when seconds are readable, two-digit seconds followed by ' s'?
11 h 31 min 56 s
